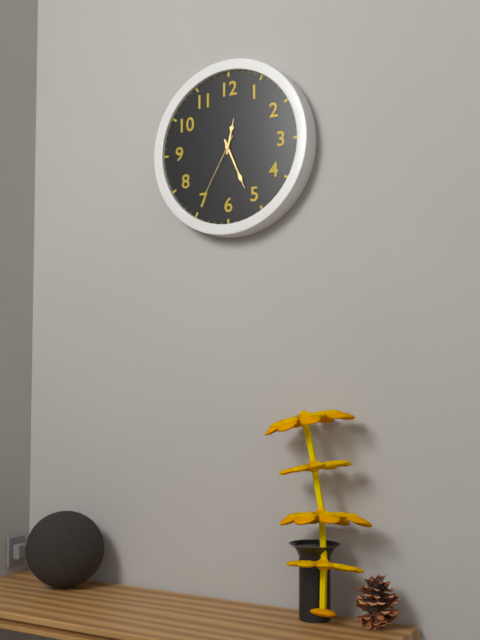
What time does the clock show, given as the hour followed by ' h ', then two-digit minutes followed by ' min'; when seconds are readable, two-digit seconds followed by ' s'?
12 h 26 min 35 s
